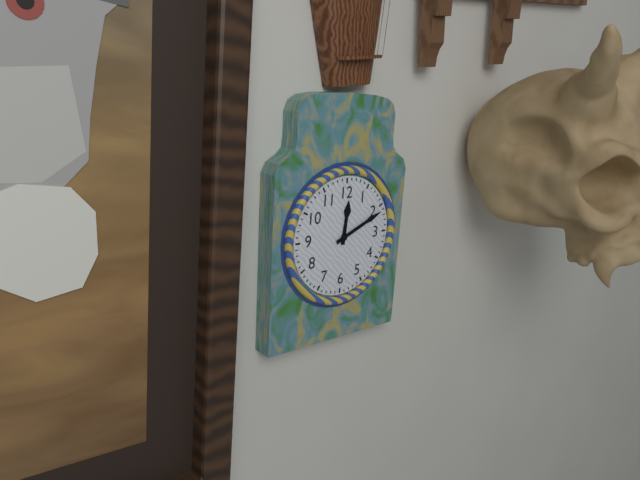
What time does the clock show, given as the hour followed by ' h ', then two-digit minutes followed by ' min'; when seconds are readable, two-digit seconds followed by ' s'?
12 h 11 min
